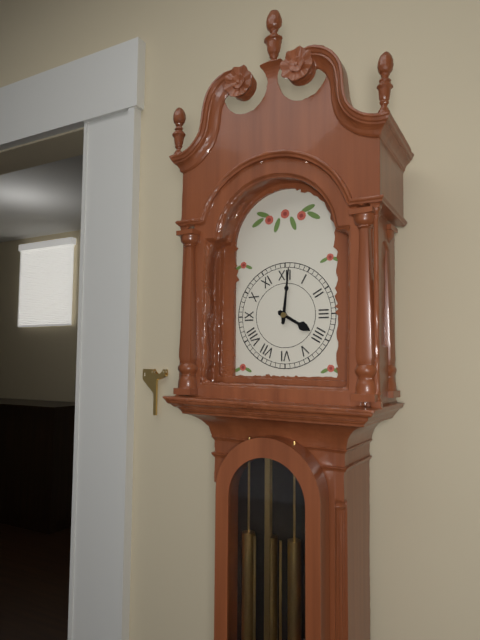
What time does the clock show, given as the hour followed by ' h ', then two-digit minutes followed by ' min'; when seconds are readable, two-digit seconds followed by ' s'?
4 h 01 min
